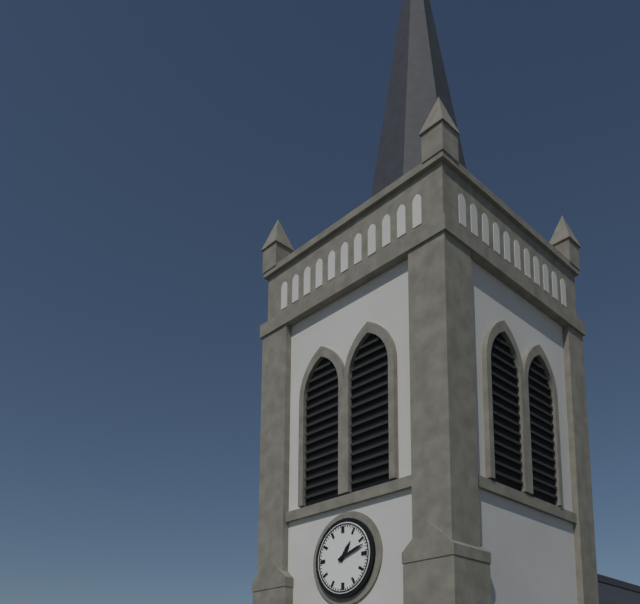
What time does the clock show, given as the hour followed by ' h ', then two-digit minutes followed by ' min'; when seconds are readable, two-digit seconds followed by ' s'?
1 h 12 min
